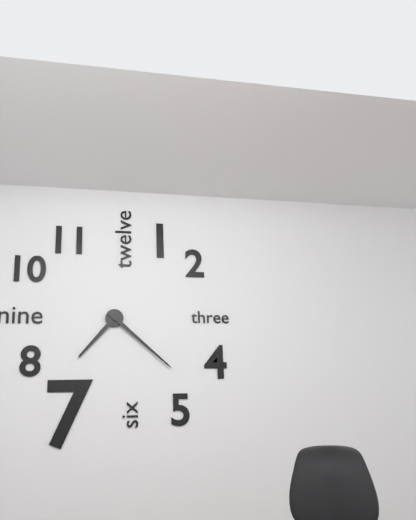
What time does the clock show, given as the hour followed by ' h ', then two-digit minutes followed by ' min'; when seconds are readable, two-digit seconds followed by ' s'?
7 h 22 min
